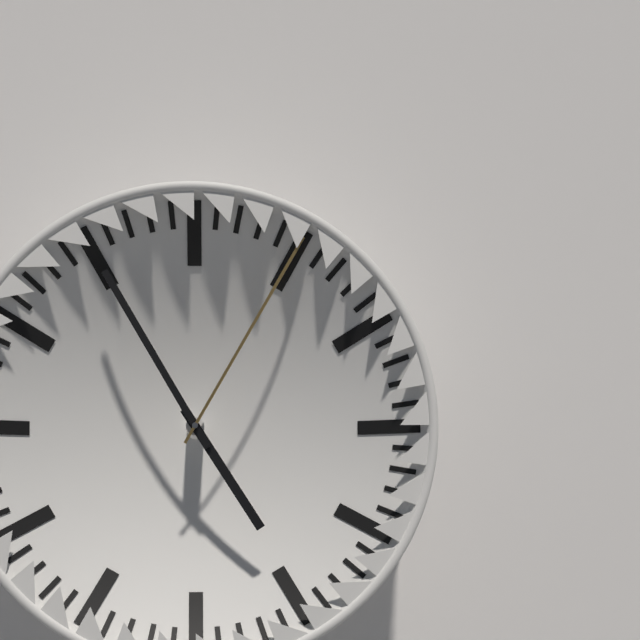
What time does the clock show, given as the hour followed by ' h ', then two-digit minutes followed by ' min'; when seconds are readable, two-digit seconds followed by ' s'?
4 h 55 min 05 s
